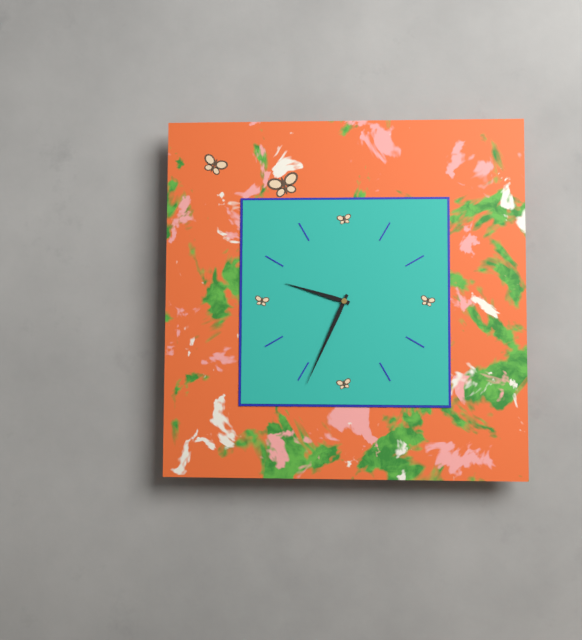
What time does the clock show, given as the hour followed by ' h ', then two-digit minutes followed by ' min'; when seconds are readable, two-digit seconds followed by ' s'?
9 h 34 min
